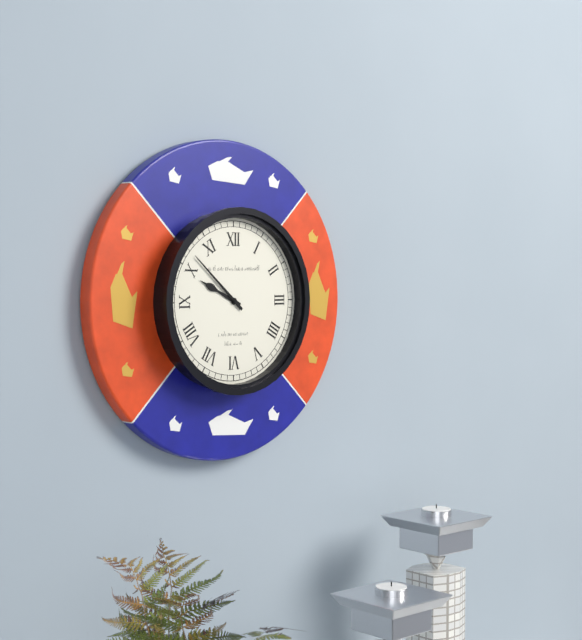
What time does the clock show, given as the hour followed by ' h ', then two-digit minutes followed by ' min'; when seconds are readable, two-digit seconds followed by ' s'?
9 h 52 min
